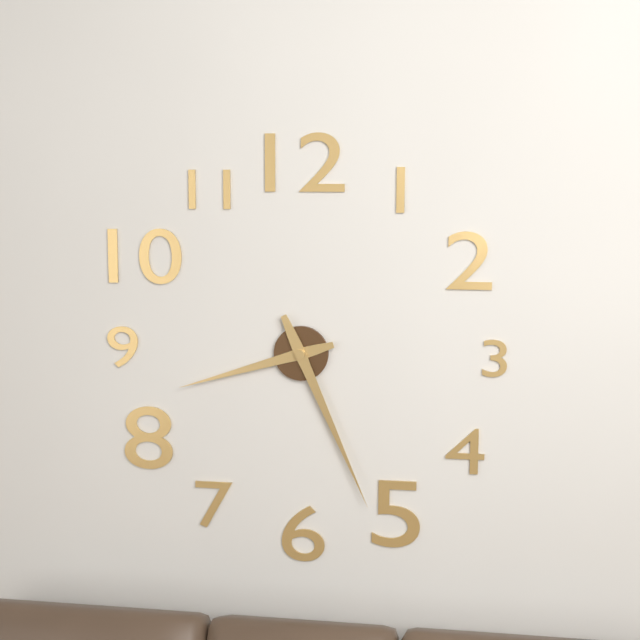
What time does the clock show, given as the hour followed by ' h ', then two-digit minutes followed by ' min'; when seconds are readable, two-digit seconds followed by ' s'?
8 h 26 min
